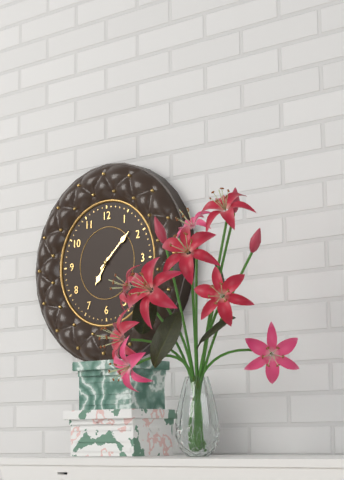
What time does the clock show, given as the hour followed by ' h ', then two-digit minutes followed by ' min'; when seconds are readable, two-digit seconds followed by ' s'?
7 h 08 min
